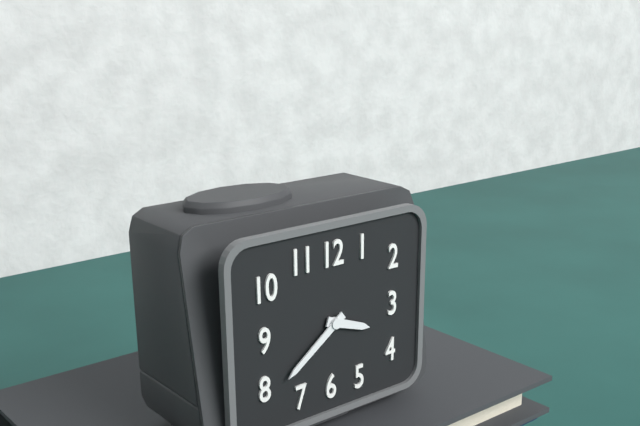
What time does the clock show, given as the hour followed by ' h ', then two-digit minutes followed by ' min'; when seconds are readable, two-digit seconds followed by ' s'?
3 h 39 min
